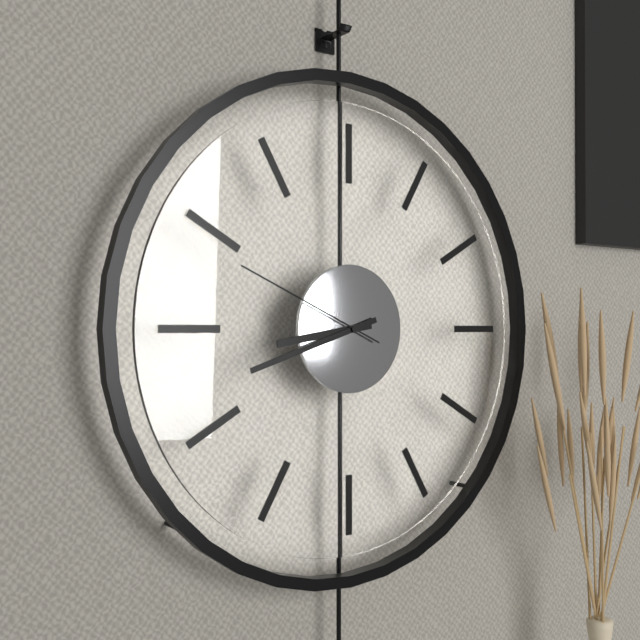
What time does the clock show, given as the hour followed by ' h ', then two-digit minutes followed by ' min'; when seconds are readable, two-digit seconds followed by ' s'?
8 h 42 min 49 s
